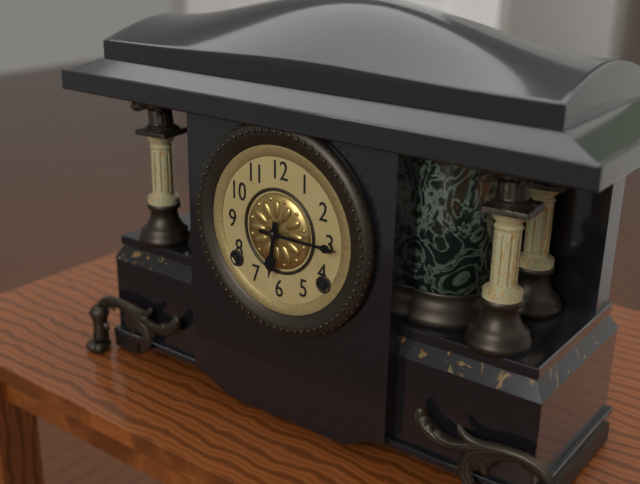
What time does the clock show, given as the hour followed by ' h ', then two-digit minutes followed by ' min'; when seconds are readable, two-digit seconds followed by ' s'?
6 h 15 min
